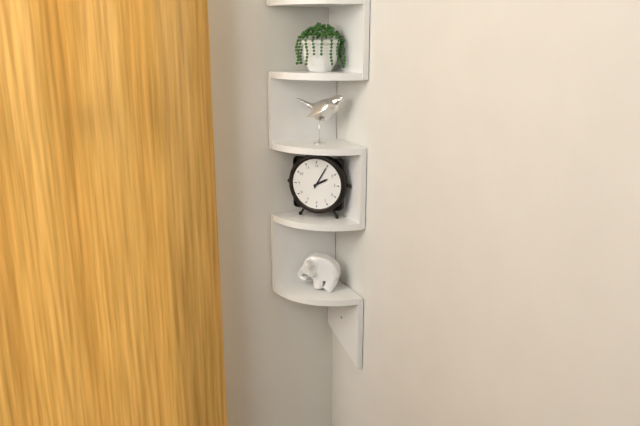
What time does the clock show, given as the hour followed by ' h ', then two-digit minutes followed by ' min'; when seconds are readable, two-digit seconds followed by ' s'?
2 h 05 min
